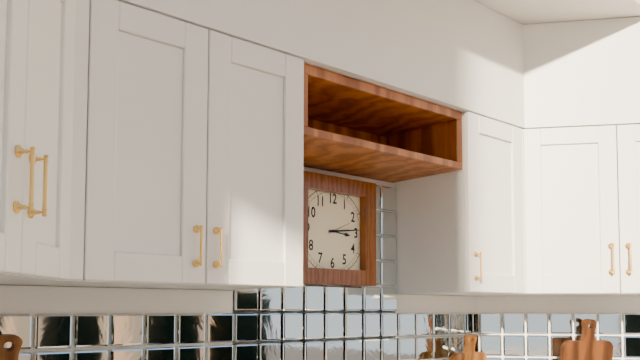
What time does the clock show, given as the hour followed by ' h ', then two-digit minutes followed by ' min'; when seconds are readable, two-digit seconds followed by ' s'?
3 h 14 min
